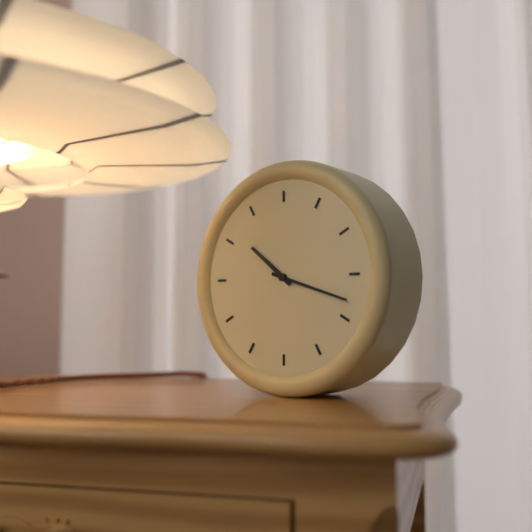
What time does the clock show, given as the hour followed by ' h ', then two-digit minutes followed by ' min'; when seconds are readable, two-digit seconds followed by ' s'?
10 h 18 min
